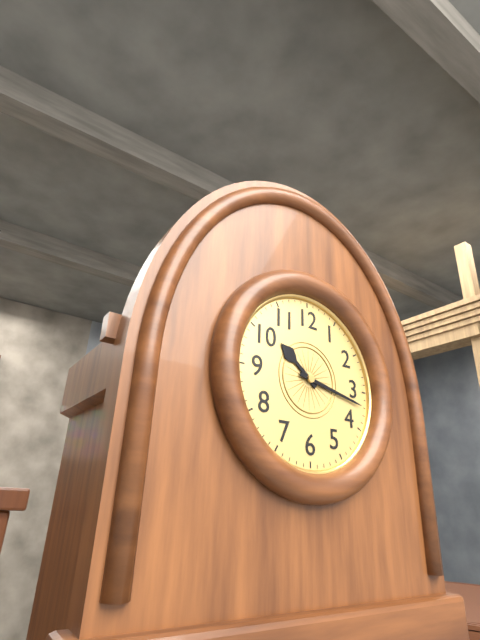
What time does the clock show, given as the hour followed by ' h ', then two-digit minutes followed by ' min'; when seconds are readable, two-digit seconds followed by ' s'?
10 h 17 min
